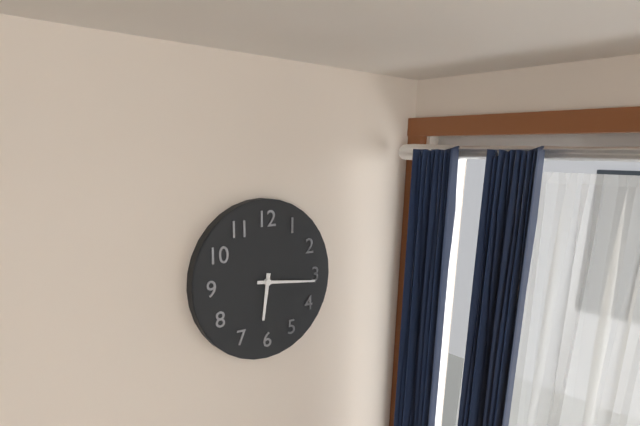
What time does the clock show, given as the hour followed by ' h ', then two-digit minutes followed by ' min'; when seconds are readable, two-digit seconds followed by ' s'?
6 h 16 min
